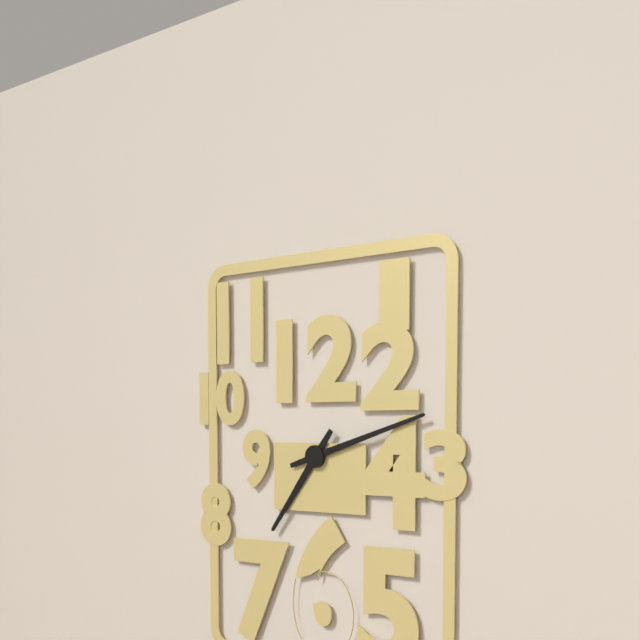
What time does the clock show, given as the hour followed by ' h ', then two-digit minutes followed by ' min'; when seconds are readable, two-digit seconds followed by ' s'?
7 h 12 min
